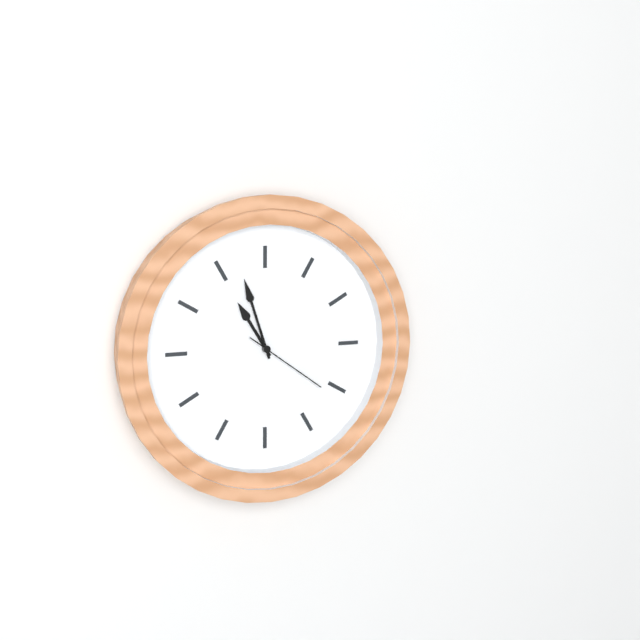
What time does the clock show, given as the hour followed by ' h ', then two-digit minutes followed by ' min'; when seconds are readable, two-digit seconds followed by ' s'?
10 h 57 min 21 s
